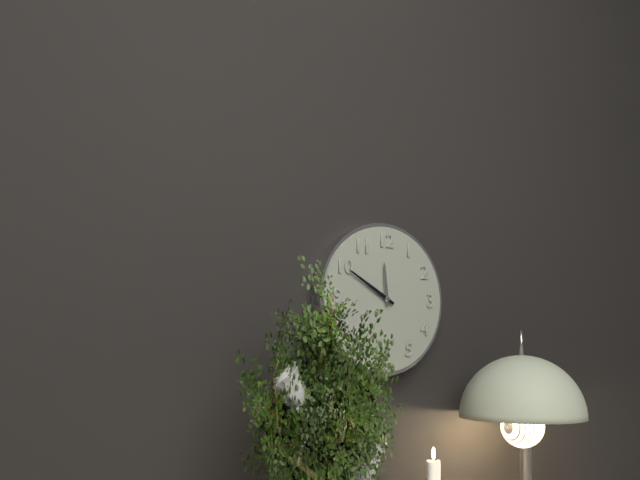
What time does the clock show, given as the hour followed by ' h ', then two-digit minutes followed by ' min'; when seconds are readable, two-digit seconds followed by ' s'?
11 h 50 min
